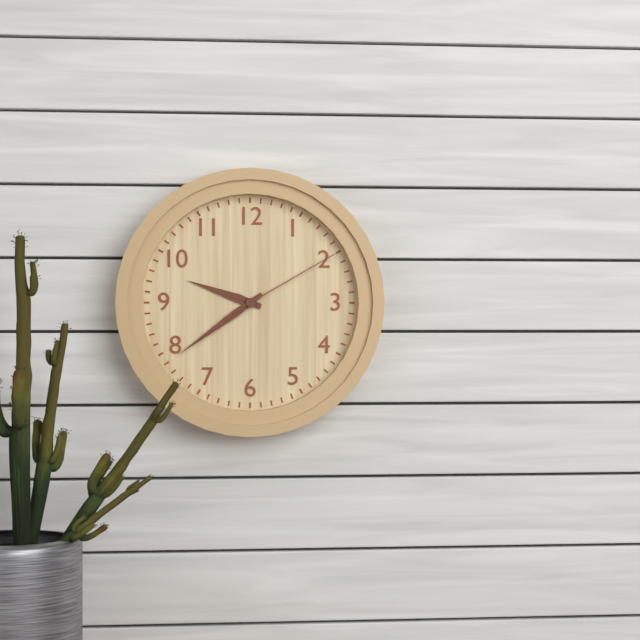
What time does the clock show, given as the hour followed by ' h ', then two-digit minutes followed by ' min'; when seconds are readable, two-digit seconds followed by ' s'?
9 h 39 min 10 s
